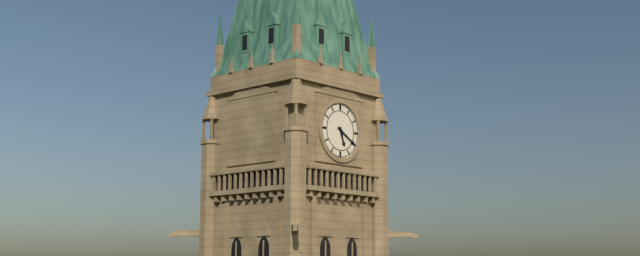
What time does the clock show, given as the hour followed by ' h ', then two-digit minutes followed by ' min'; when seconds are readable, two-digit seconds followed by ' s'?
5 h 20 min
